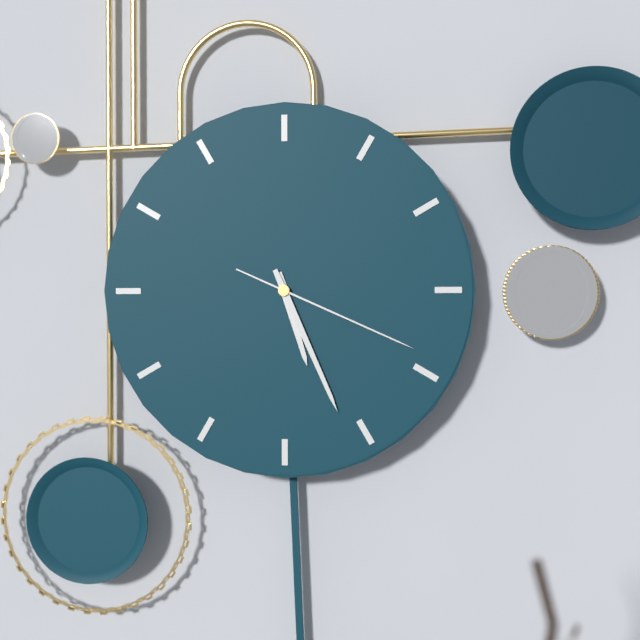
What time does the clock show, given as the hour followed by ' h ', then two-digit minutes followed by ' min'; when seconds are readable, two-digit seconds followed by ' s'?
5 h 26 min 19 s
